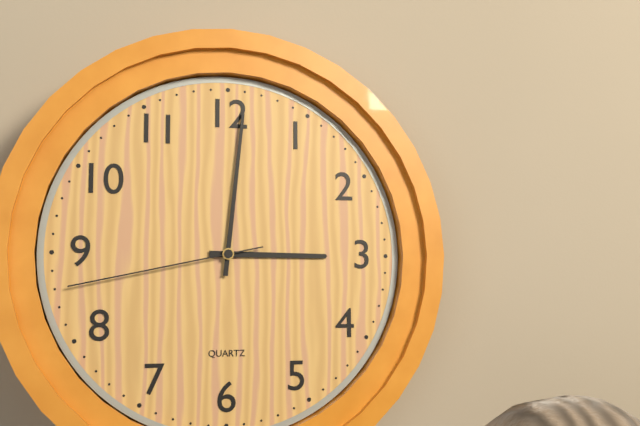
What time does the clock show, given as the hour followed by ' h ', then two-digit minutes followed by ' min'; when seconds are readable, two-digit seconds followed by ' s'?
3 h 01 min 43 s
